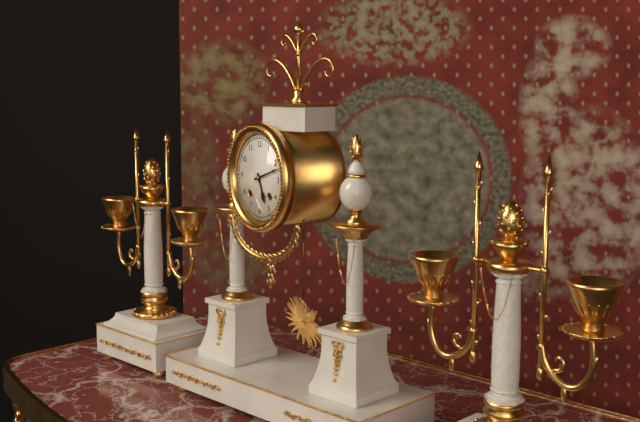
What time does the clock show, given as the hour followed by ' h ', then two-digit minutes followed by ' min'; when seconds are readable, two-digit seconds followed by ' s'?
5 h 12 min
